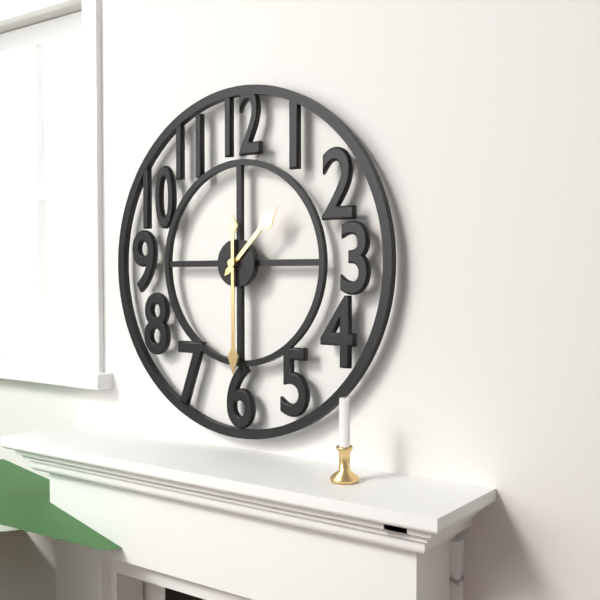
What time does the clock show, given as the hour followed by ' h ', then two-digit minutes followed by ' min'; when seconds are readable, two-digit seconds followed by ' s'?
1 h 30 min
